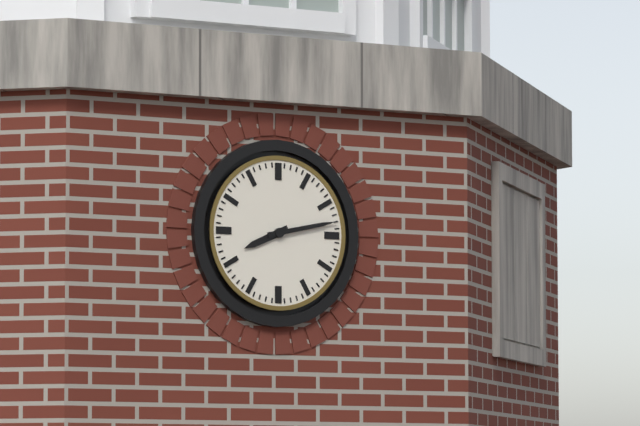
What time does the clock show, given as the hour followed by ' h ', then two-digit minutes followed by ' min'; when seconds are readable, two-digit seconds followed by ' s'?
8 h 13 min
